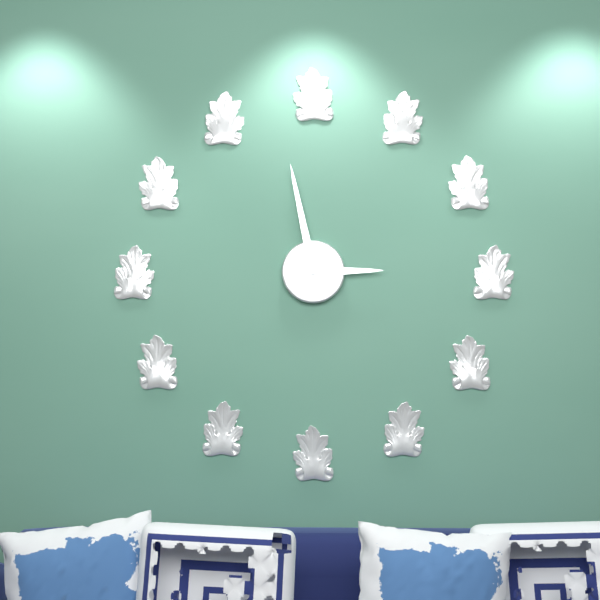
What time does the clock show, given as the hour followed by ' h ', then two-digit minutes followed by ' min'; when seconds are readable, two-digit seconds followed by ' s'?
2 h 58 min
